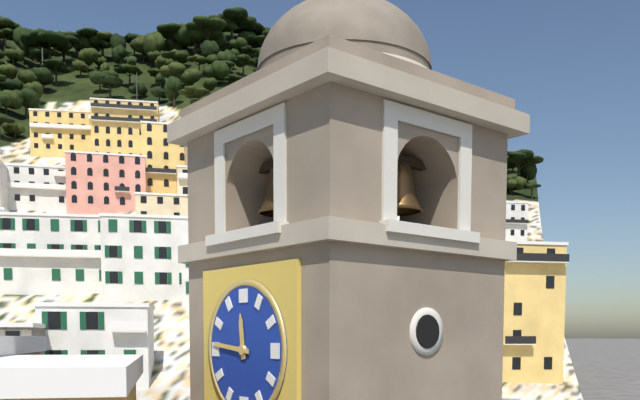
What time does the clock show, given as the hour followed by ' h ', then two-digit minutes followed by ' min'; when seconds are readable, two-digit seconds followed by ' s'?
11 h 46 min
